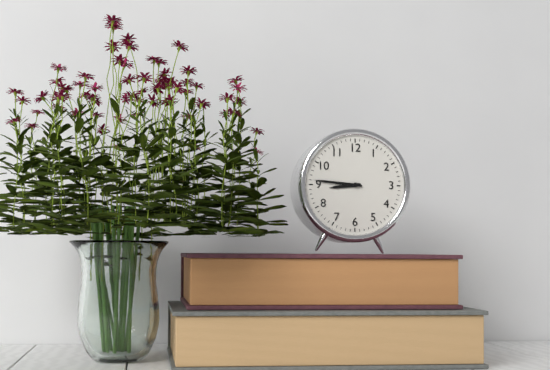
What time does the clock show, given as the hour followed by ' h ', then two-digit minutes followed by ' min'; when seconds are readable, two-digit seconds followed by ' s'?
8 h 46 min
